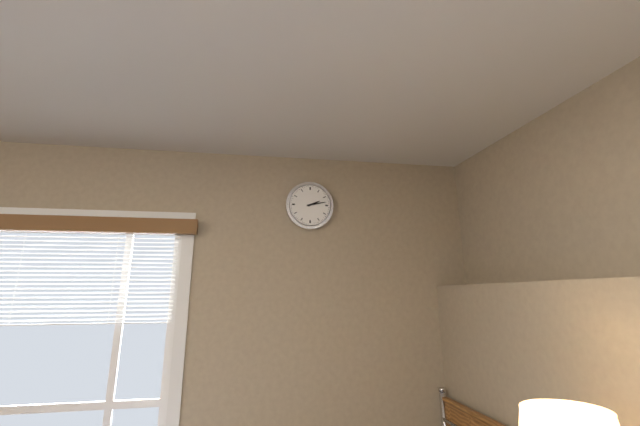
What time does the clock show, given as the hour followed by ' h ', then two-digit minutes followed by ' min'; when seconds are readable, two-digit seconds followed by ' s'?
2 h 13 min
